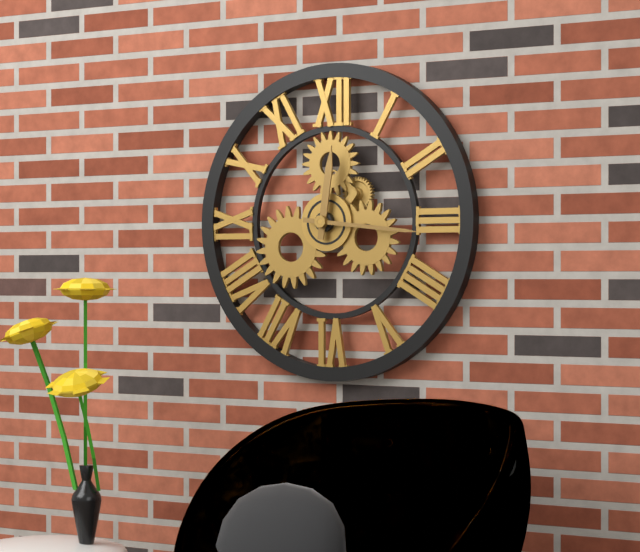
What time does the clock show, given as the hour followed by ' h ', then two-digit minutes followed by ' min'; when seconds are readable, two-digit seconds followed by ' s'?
12 h 16 min
